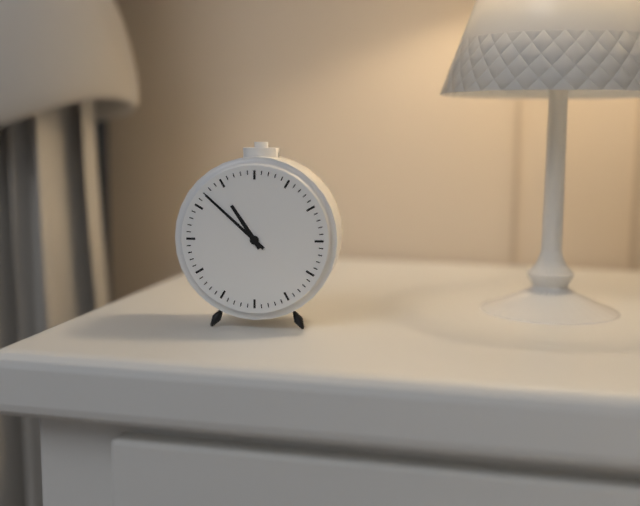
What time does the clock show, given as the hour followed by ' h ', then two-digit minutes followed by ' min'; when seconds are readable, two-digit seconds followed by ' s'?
10 h 52 min
